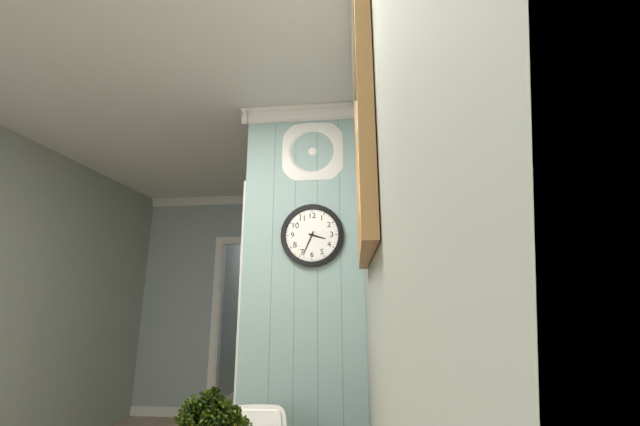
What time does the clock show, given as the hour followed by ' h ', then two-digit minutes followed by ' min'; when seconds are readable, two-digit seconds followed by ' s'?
3 h 34 min
